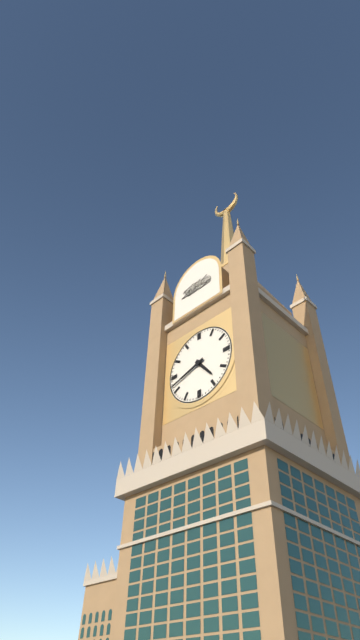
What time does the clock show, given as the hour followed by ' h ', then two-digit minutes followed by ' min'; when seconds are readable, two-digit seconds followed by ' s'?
4 h 42 min
